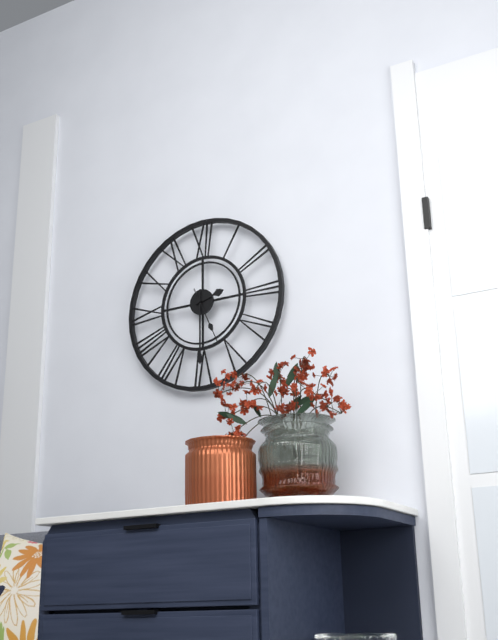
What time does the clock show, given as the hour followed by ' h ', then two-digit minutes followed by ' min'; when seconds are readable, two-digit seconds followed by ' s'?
2 h 30 min 26 s
